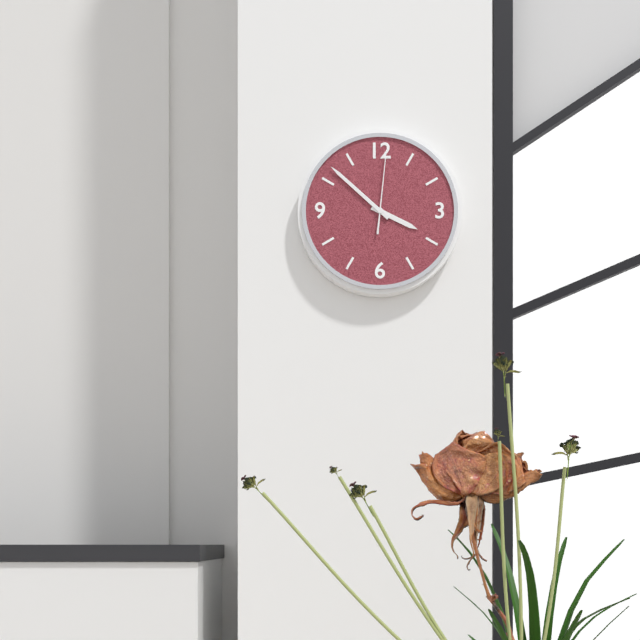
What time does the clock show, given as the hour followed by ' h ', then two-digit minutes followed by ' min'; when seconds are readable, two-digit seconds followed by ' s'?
3 h 52 min 01 s
